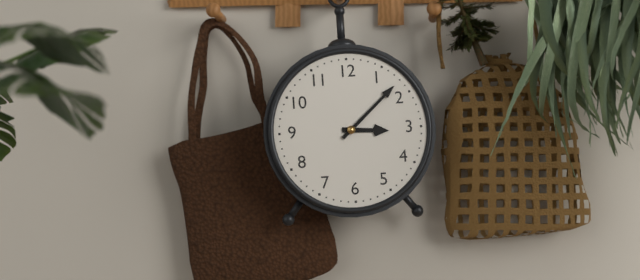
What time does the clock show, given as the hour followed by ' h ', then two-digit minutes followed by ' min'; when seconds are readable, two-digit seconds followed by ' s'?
3 h 08 min
